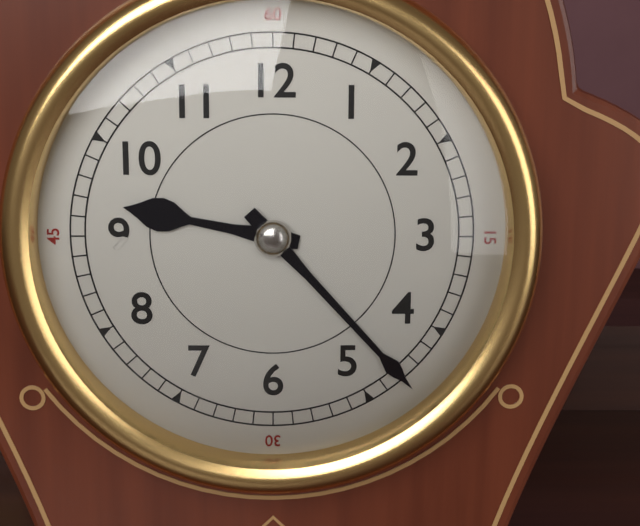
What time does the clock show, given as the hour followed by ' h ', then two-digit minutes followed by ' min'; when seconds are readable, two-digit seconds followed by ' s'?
9 h 23 min
